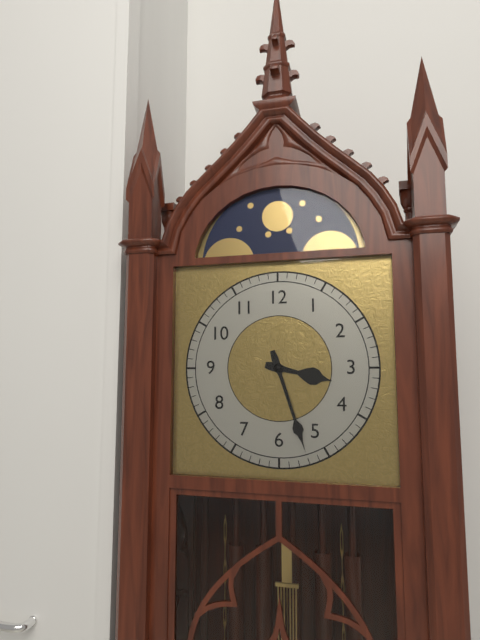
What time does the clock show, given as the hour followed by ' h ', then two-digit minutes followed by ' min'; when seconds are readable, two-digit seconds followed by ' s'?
3 h 27 min
